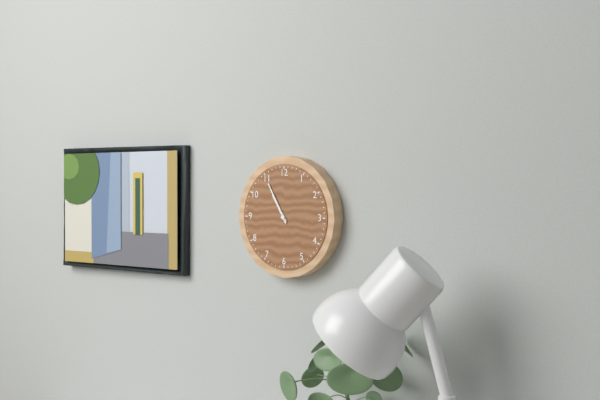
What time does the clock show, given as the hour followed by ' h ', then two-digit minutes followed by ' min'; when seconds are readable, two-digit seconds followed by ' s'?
10 h 55 min
